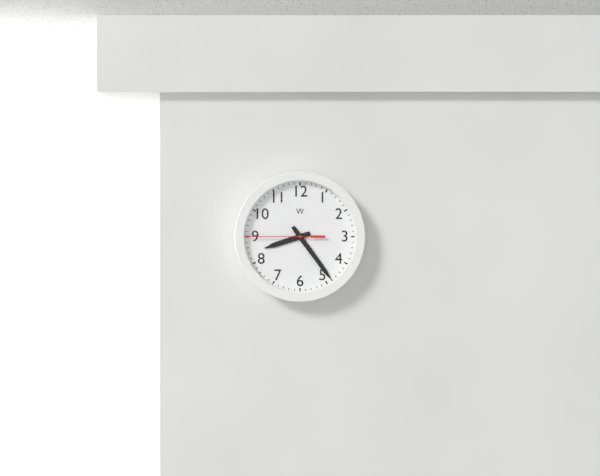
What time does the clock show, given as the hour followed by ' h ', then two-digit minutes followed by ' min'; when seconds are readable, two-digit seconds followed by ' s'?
8 h 24 min 45 s
